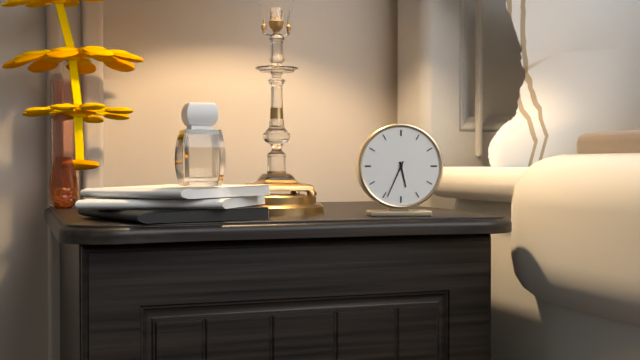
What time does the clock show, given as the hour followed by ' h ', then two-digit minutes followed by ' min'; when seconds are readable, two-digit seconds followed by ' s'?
5 h 34 min
